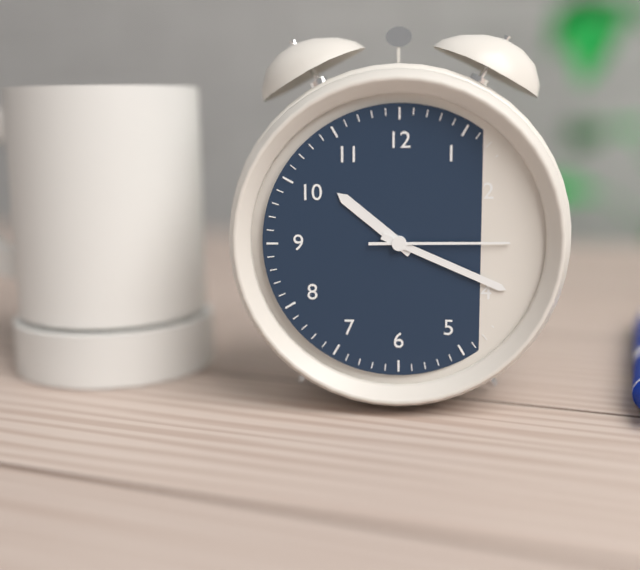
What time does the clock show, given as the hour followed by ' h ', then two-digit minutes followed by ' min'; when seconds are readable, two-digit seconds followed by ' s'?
10 h 19 min 15 s
